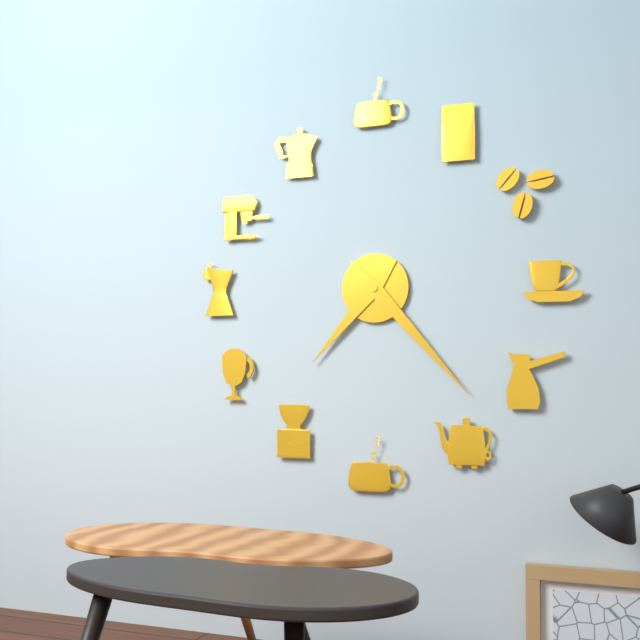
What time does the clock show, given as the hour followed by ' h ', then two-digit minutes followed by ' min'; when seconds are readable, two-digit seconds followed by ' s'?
7 h 23 min
